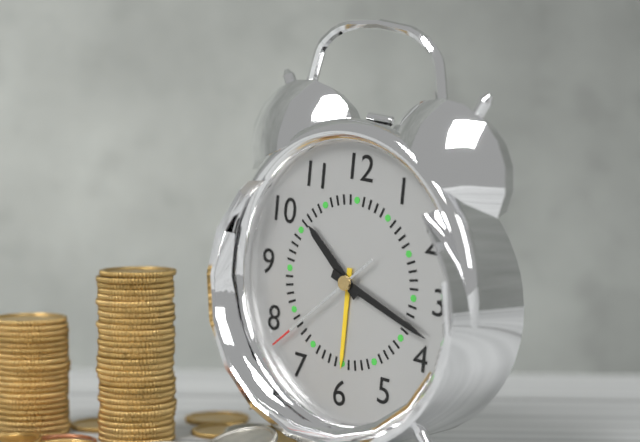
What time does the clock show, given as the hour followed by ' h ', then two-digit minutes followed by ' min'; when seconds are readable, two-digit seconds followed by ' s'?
10 h 18 min 38 s
